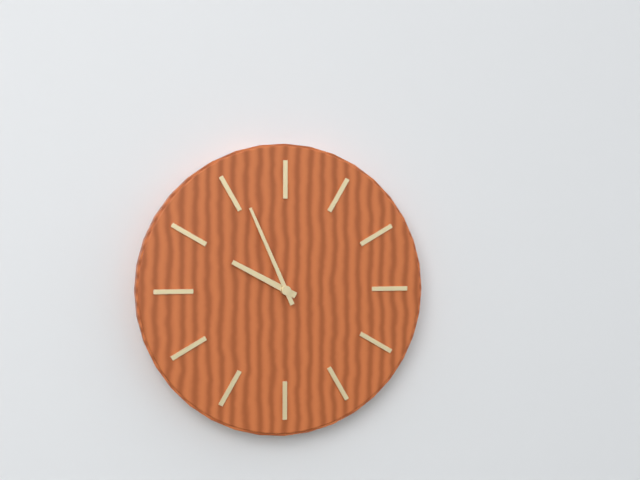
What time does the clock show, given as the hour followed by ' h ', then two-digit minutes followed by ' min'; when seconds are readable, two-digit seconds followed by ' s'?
9 h 56 min
